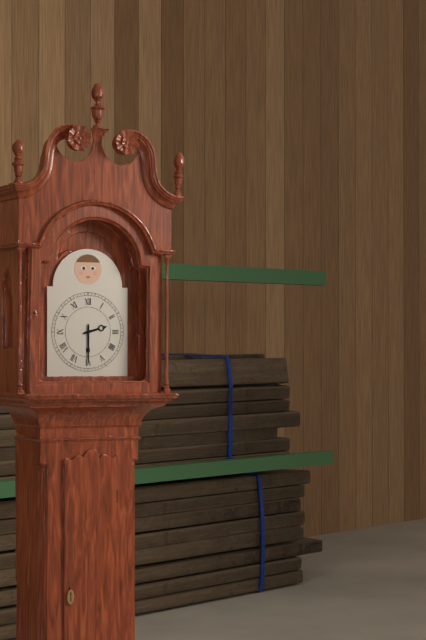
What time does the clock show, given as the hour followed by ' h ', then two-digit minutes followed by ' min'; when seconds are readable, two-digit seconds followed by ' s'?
2 h 30 min
